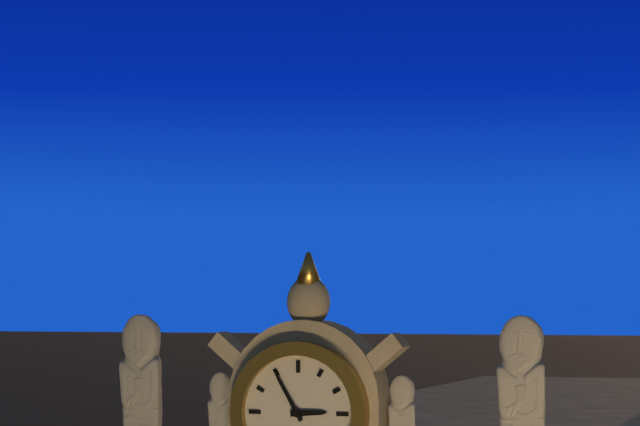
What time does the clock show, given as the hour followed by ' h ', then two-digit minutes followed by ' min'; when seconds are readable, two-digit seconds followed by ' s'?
2 h 55 min
